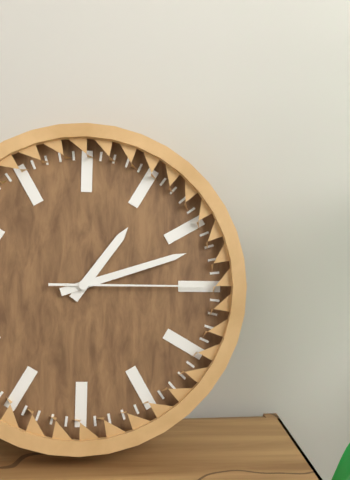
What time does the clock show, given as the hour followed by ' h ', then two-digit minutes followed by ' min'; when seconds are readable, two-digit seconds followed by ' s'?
1 h 12 min 15 s
